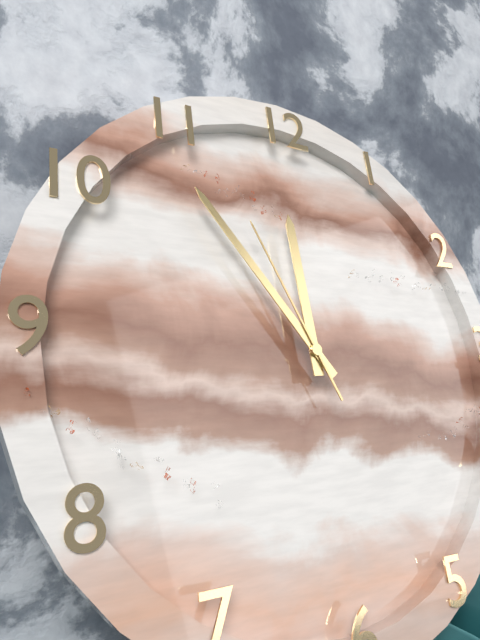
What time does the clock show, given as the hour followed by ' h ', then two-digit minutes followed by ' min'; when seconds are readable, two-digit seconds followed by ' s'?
11 h 54 min 56 s
